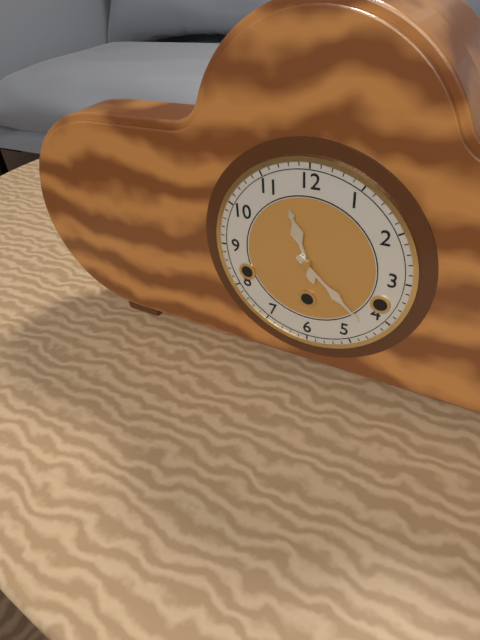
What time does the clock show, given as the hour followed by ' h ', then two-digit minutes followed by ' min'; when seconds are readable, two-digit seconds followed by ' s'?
11 h 22 min
